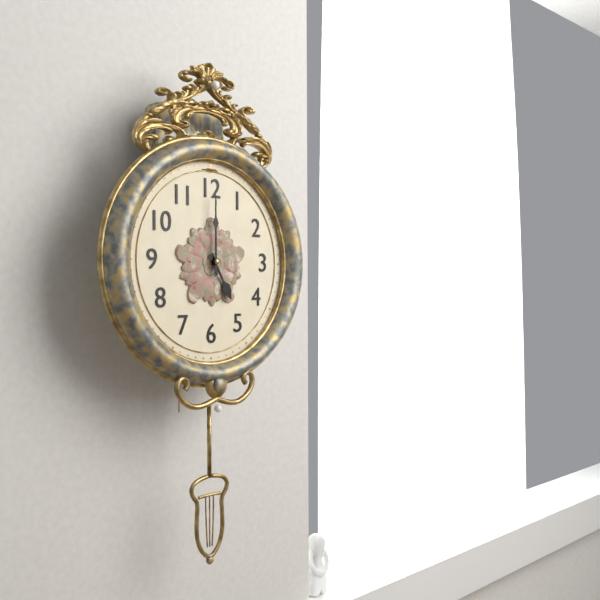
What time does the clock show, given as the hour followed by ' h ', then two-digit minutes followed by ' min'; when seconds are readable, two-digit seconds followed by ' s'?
5 h 00 min
